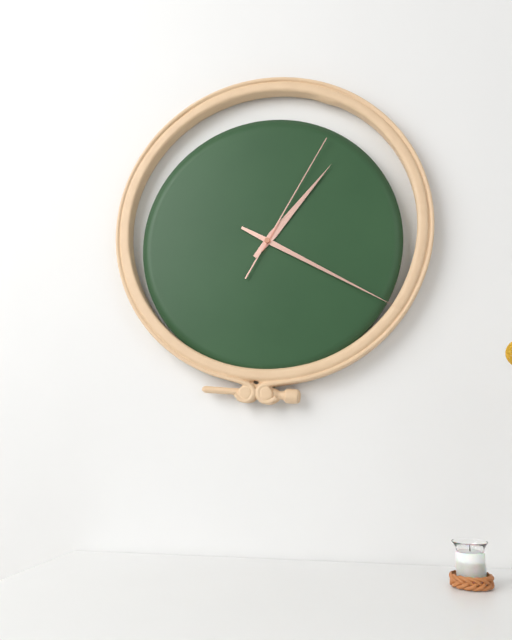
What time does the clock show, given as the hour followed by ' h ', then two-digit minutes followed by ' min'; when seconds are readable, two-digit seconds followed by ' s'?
1 h 20 min 05 s
